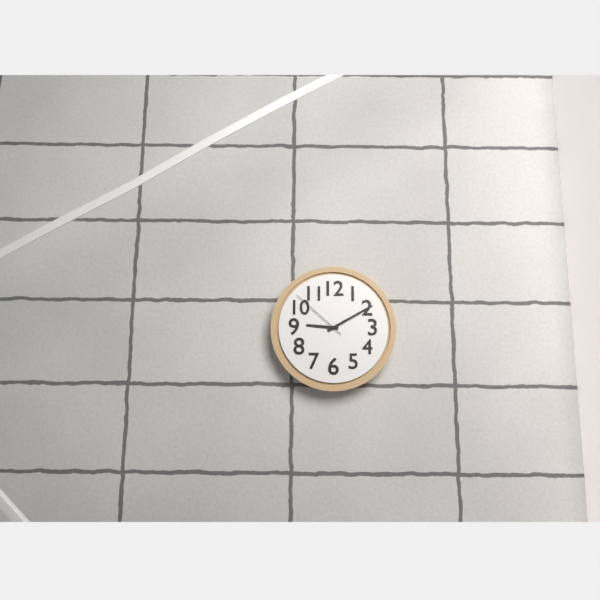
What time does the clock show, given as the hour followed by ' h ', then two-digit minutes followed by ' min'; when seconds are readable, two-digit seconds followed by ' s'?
9 h 10 min 52 s
